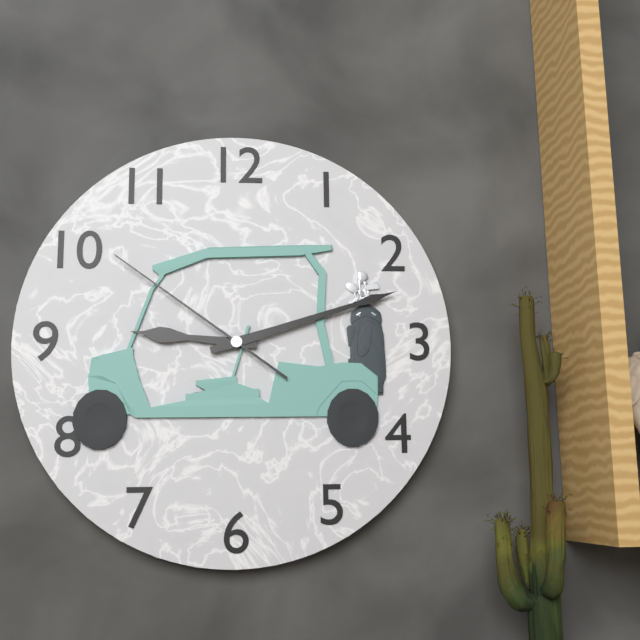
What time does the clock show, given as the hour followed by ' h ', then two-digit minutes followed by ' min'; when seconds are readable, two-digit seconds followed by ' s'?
9 h 12 min 51 s
